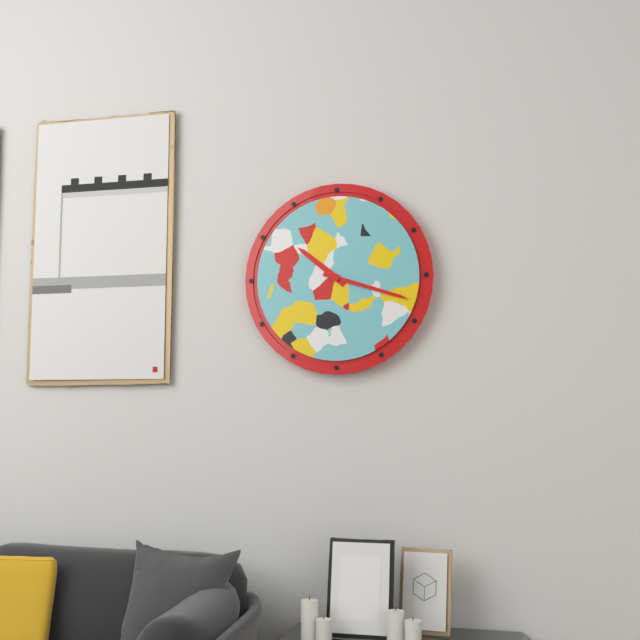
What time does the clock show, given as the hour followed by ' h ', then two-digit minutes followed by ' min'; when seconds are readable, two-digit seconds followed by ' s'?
10 h 18 min
